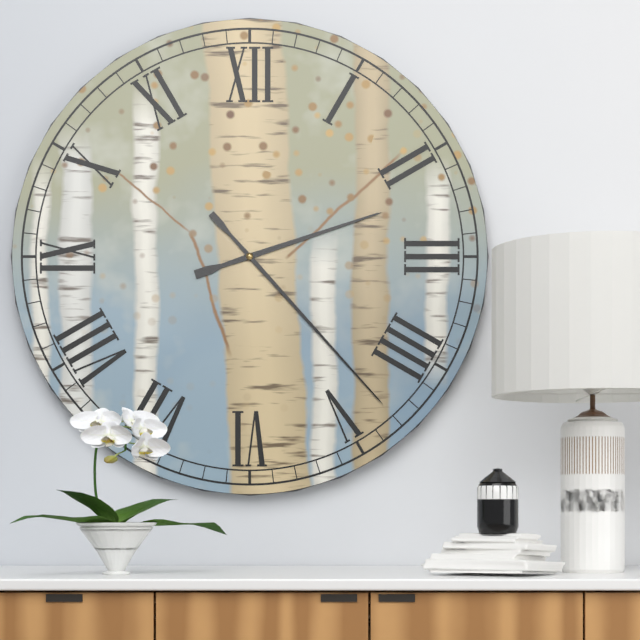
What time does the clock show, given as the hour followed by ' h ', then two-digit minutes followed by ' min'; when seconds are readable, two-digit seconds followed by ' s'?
2 h 23 min
